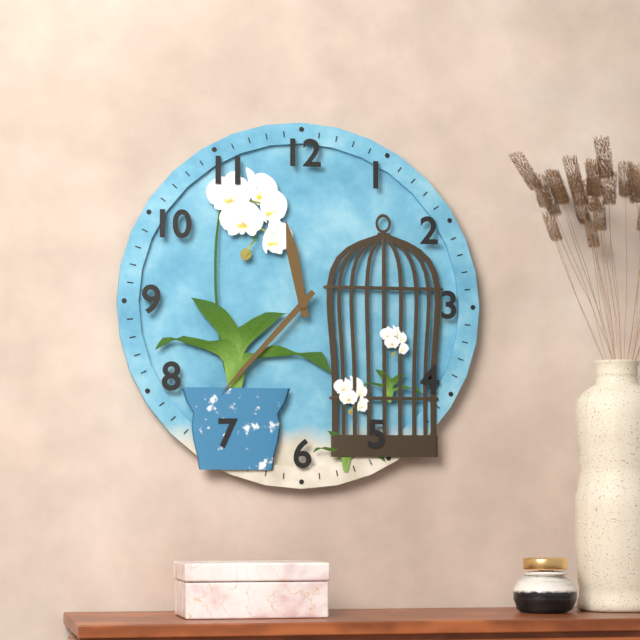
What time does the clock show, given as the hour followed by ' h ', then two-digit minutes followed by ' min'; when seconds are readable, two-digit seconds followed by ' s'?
11 h 37 min
